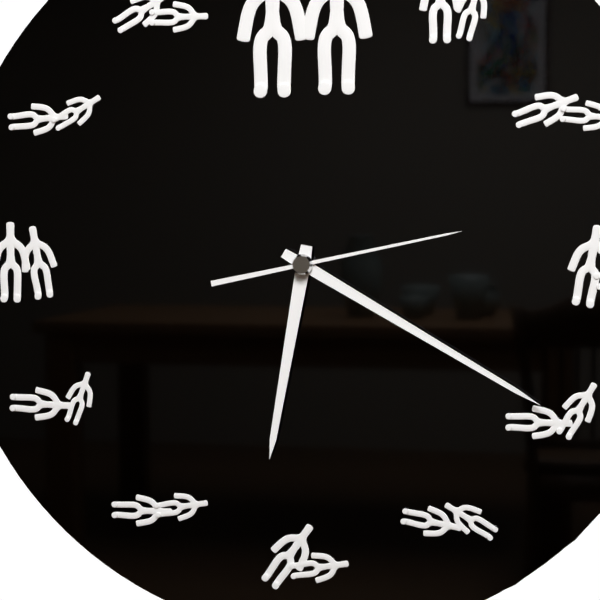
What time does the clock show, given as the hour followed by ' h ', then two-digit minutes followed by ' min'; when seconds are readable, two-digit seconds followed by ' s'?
6 h 20 min 13 s
